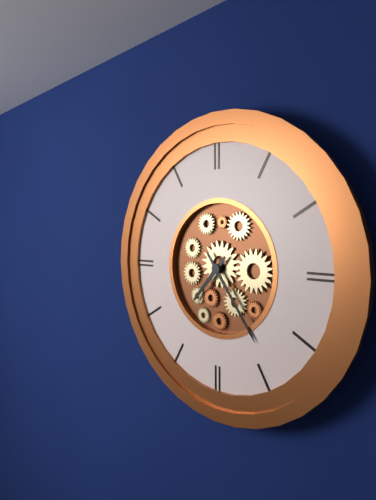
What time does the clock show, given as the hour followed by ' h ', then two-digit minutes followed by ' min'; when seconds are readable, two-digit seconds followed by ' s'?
7 h 24 min
